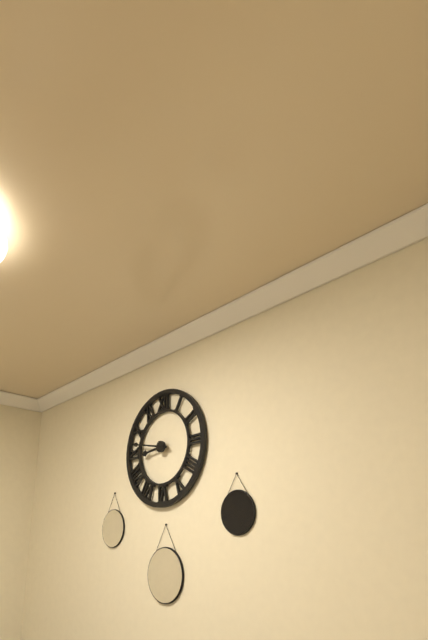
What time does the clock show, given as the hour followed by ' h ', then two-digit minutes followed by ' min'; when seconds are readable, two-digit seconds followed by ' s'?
8 h 47 min
